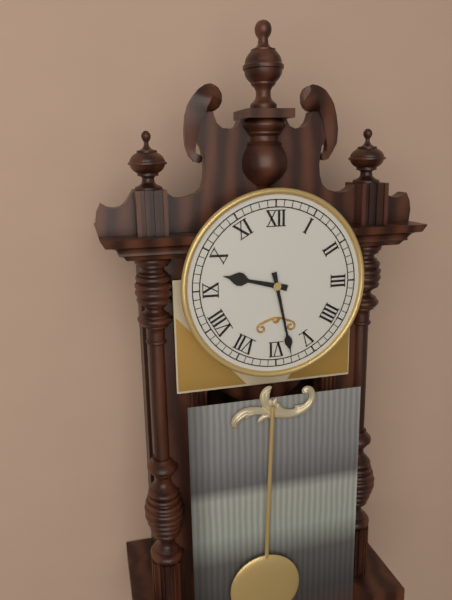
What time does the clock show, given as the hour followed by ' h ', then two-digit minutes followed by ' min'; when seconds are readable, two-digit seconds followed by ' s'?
9 h 28 min
